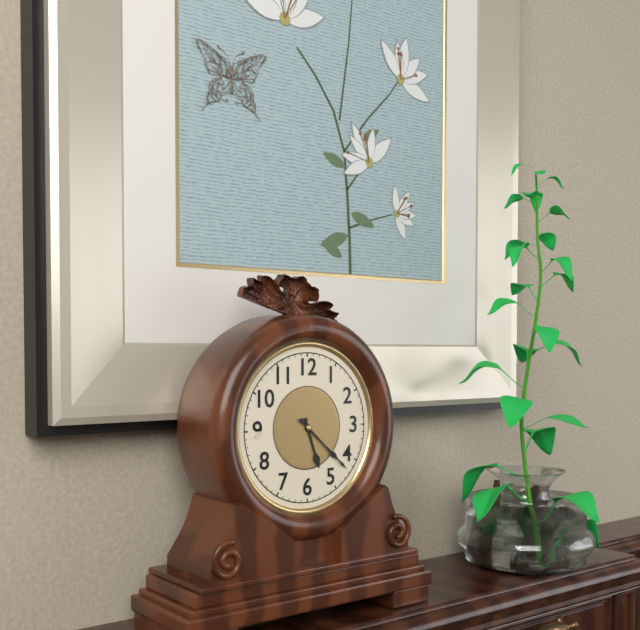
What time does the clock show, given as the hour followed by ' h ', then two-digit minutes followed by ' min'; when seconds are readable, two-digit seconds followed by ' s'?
5 h 22 min
